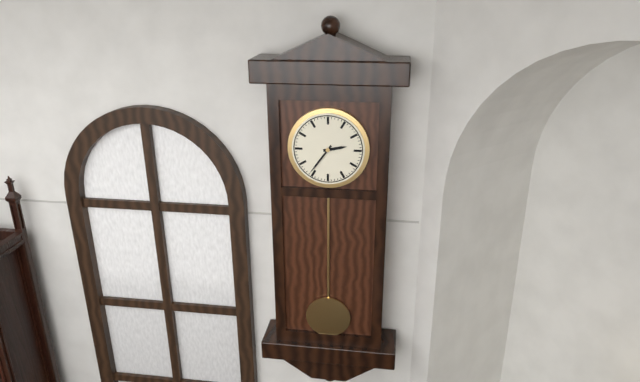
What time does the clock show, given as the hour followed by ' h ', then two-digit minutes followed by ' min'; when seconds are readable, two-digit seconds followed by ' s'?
2 h 36 min
